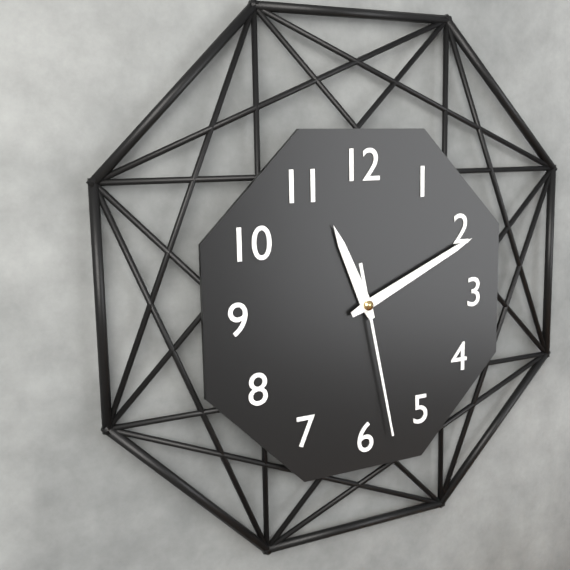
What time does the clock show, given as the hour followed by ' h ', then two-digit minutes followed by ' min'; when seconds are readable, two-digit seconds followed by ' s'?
11 h 11 min 28 s
